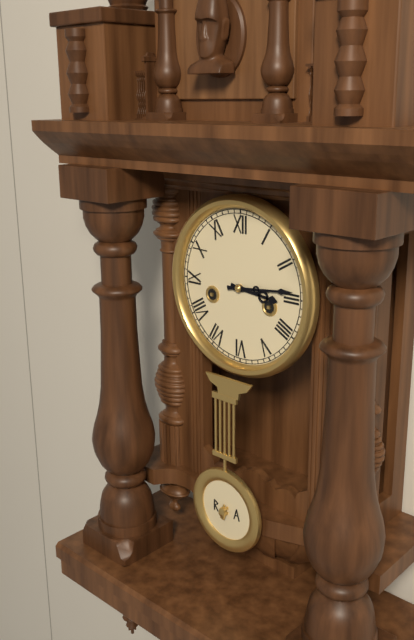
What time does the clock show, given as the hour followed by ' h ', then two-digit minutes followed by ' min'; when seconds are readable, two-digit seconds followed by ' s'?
3 h 14 min
